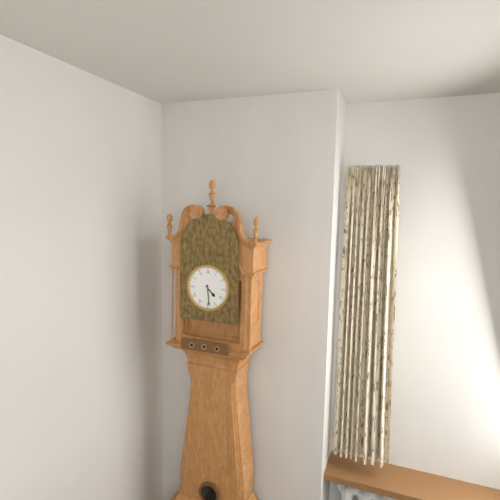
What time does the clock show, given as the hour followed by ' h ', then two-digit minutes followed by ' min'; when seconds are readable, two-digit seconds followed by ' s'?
4 h 29 min
